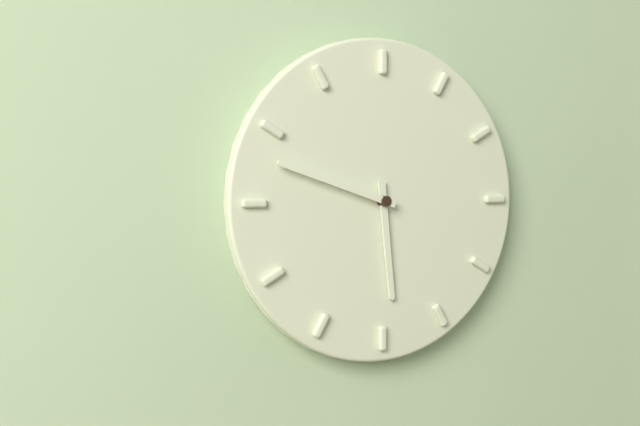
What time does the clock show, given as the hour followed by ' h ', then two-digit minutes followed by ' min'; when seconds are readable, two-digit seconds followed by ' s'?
5 h 48 min
